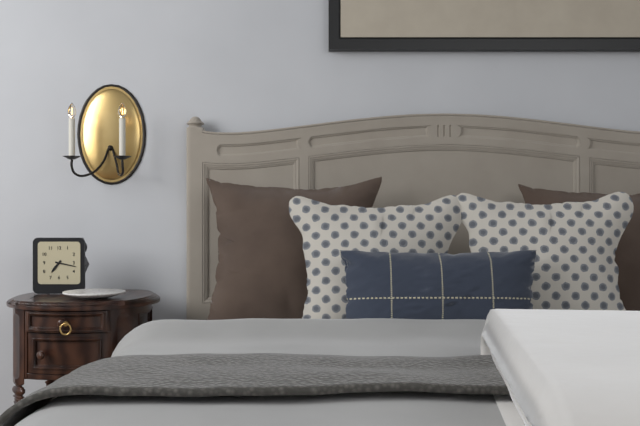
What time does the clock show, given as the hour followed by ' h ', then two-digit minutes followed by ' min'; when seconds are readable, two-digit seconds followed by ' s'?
7 h 17 min
